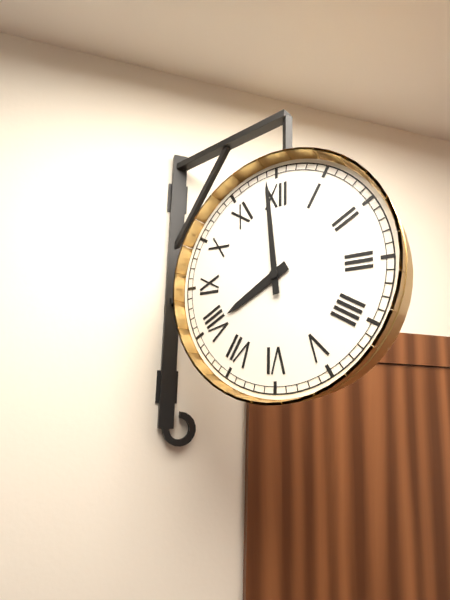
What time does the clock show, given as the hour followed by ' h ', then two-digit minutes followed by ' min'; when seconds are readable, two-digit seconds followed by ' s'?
7 h 59 min
